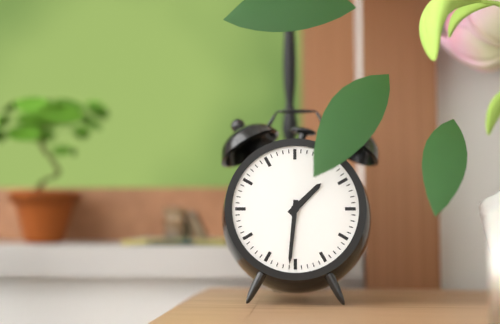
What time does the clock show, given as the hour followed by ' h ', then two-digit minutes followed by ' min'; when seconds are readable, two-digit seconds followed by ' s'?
1 h 31 min
